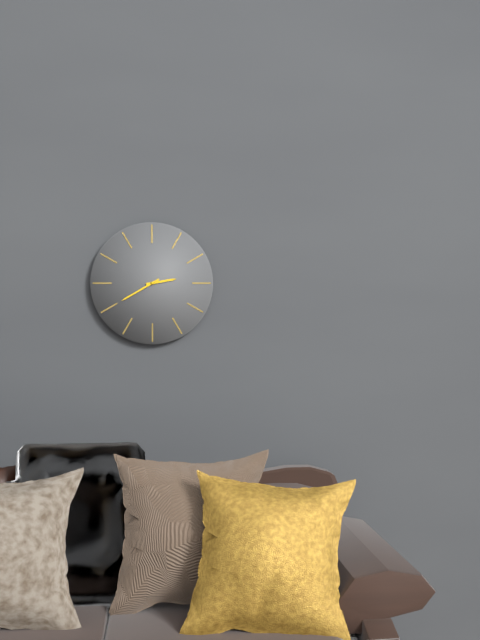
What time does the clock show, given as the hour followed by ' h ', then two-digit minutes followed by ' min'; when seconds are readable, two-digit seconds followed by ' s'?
2 h 40 min
